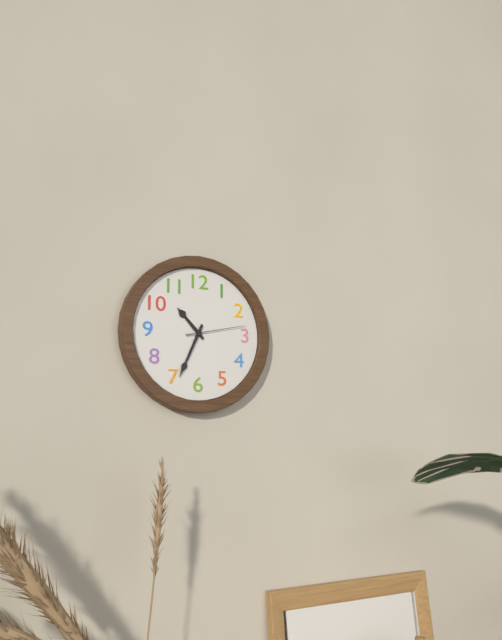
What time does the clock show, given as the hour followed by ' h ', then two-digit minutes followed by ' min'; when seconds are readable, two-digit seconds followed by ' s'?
10 h 34 min 13 s
